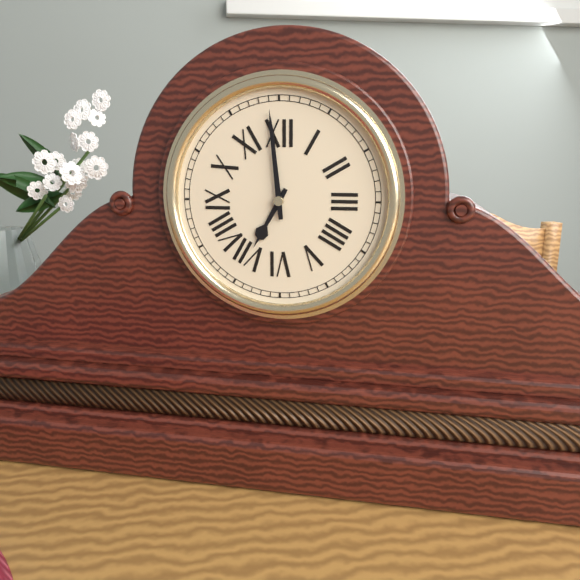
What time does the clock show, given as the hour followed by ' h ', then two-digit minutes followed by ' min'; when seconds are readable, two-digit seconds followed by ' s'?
6 h 59 min
